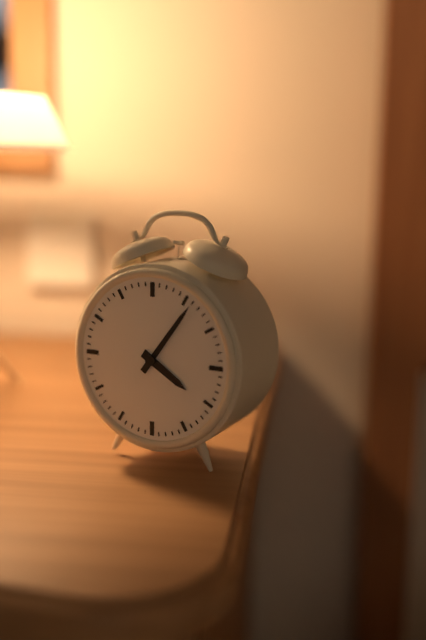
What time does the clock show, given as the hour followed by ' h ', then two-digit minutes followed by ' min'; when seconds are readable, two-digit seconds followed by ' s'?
4 h 06 min
